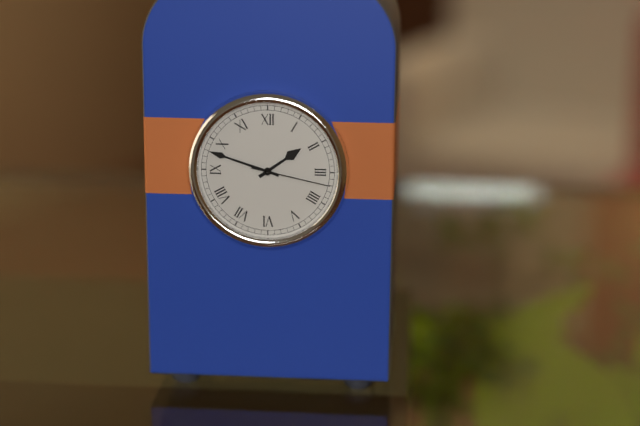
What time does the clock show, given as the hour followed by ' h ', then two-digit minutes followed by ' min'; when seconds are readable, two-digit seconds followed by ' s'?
1 h 48 min 17 s
